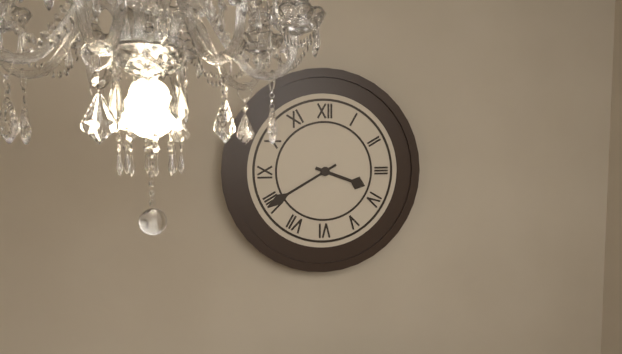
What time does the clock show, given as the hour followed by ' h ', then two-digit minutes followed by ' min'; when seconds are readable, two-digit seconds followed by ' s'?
3 h 40 min
